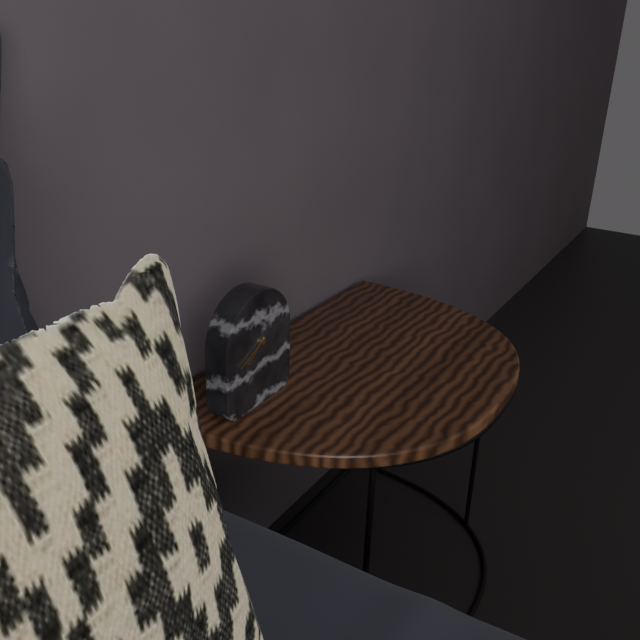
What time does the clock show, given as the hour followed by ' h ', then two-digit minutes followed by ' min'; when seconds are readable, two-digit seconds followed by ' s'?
7 h 41 min
